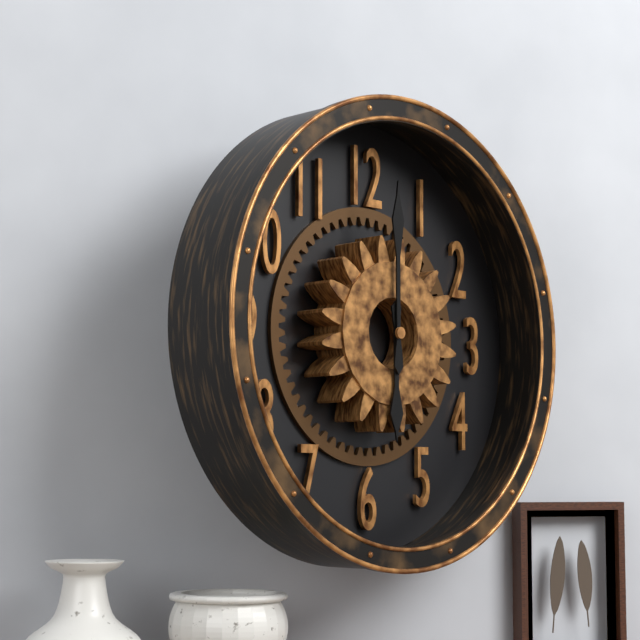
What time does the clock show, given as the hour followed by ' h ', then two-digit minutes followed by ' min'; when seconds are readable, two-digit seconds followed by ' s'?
6 h 00 min
